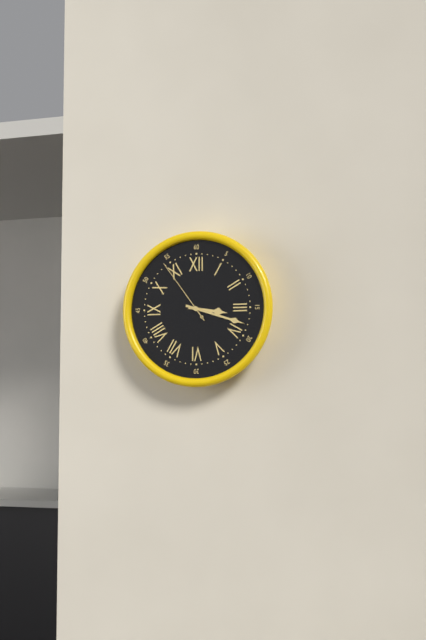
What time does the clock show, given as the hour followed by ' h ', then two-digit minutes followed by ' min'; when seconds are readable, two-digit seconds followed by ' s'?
3 h 18 min 54 s
